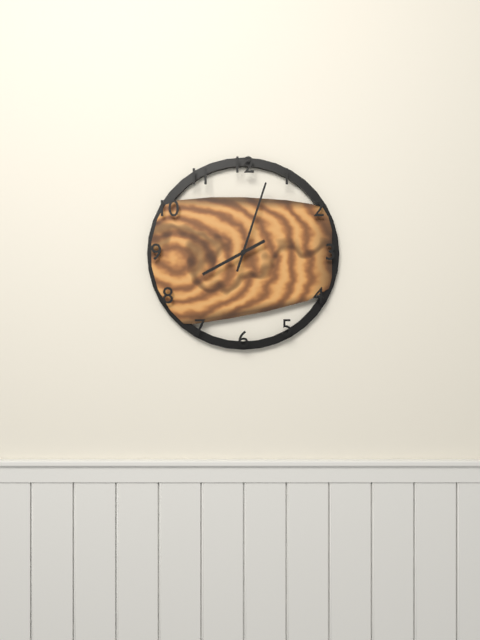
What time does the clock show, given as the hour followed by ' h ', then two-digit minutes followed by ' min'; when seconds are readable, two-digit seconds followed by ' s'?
8 h 03 min
